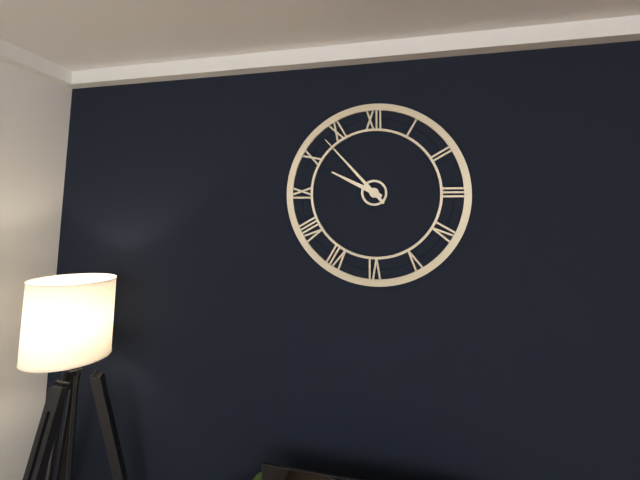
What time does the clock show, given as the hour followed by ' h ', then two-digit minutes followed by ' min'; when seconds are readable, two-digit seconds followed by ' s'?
9 h 53 min
